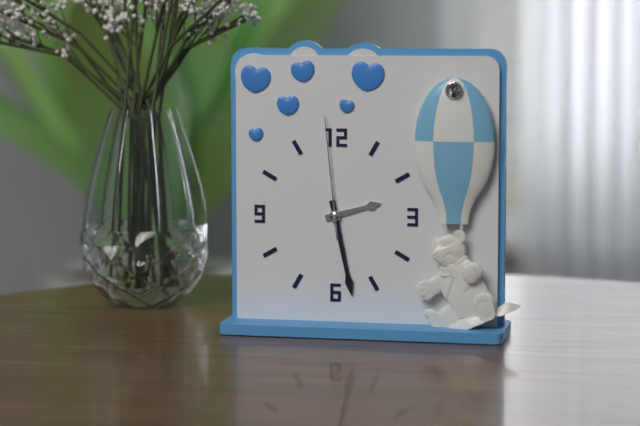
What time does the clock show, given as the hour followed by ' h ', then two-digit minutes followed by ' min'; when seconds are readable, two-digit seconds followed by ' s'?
2 h 28 min 59 s
